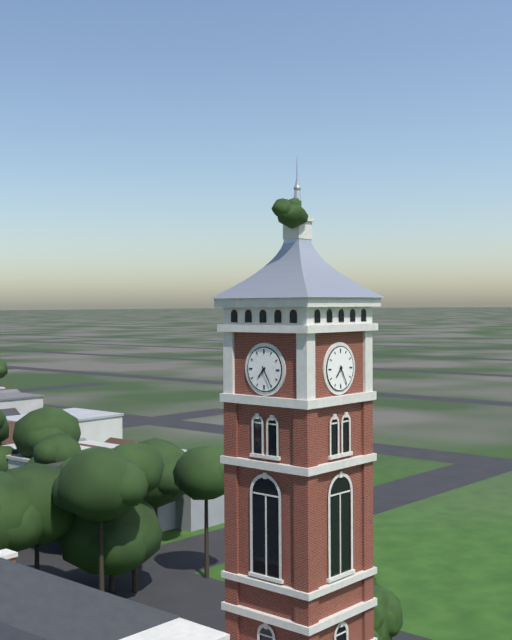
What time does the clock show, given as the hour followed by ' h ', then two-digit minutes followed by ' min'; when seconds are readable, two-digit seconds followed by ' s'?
7 h 25 min
